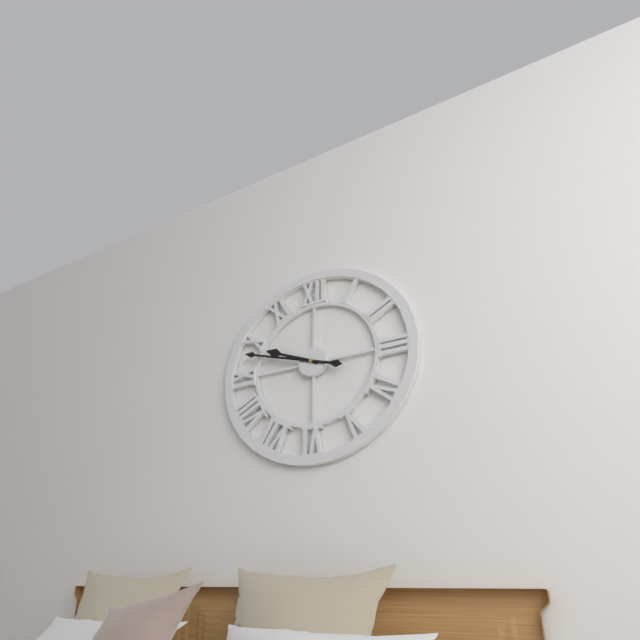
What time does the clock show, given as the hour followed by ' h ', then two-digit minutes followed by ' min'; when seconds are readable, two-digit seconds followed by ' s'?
9 h 48 min
